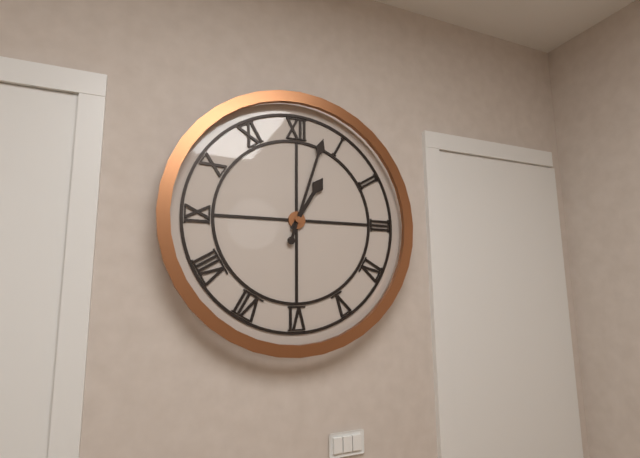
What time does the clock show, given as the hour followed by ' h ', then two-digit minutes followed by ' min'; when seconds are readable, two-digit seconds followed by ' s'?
1 h 03 min
